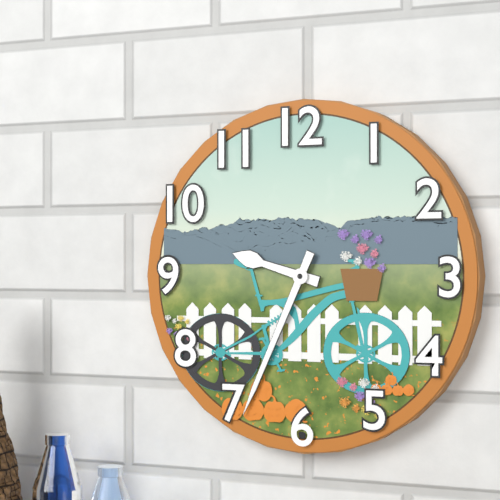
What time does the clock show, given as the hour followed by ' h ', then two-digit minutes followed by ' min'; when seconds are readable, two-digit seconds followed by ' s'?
9 h 34 min
